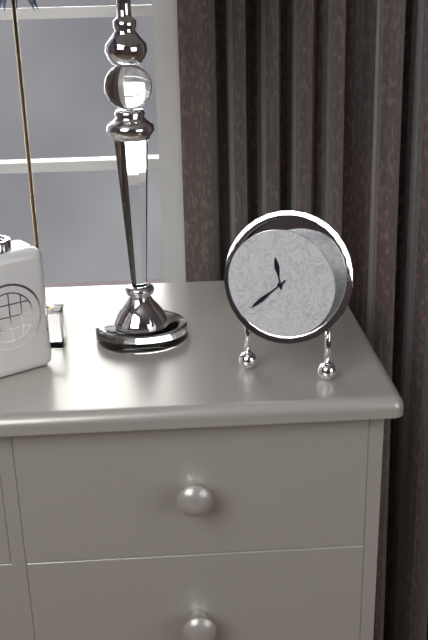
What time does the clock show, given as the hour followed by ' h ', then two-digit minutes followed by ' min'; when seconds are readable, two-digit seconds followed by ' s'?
11 h 38 min
